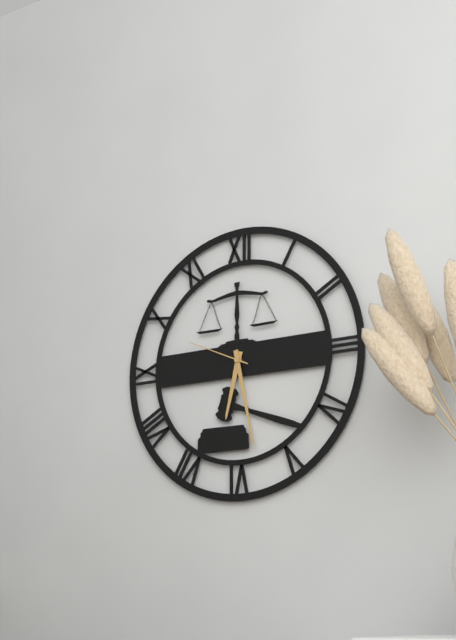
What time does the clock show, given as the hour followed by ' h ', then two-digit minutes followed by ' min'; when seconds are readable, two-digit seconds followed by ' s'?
6 h 28 min 49 s
